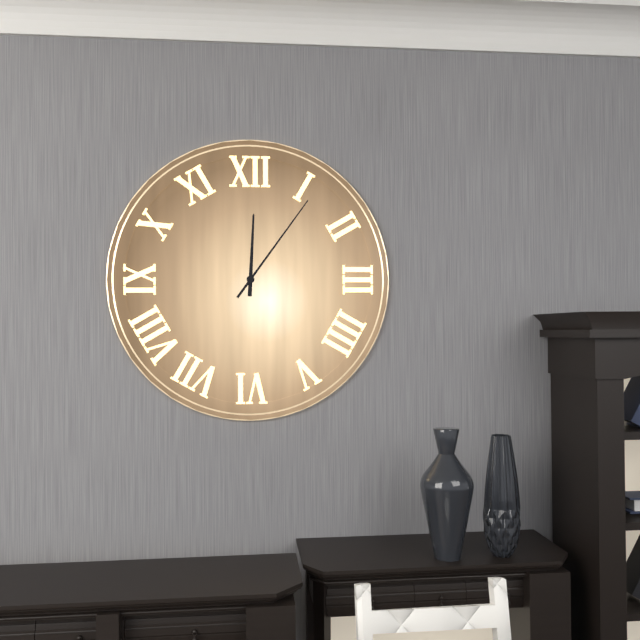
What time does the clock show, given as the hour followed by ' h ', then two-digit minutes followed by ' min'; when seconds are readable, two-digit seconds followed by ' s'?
12 h 06 min
